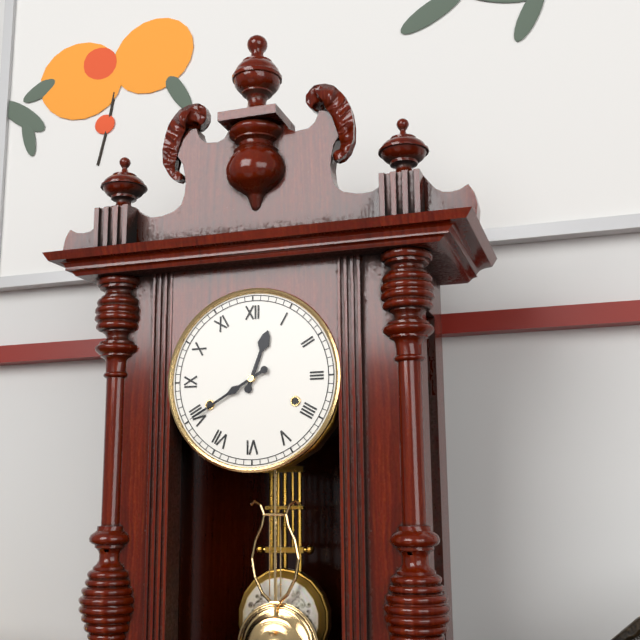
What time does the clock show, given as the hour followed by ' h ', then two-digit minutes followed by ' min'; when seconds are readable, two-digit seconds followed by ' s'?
12 h 40 min
